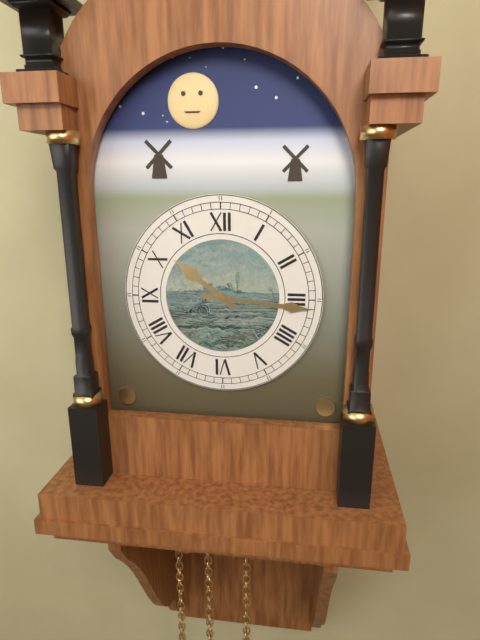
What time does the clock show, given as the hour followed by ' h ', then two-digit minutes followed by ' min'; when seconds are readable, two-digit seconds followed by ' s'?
10 h 16 min
